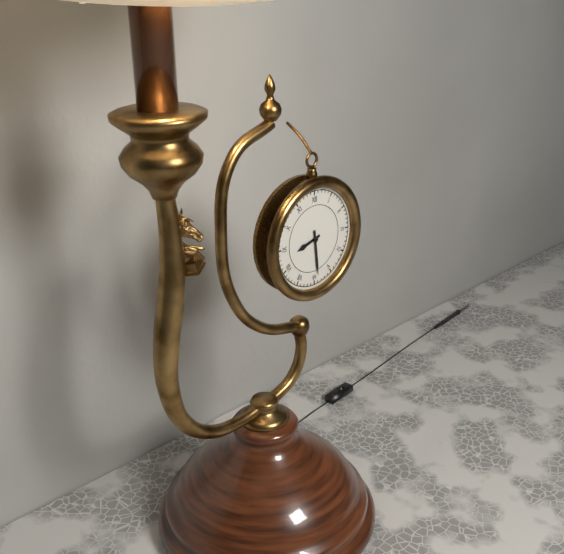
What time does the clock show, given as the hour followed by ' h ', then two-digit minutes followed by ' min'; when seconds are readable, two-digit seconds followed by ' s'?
8 h 29 min
